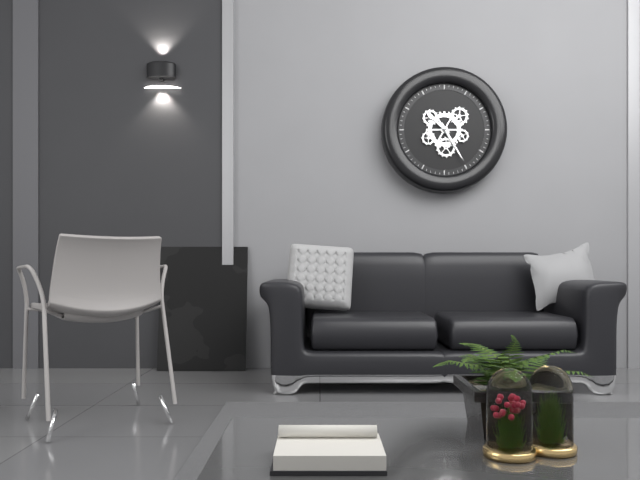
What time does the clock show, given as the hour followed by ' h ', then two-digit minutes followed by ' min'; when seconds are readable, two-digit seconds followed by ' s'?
10 h 25 min
